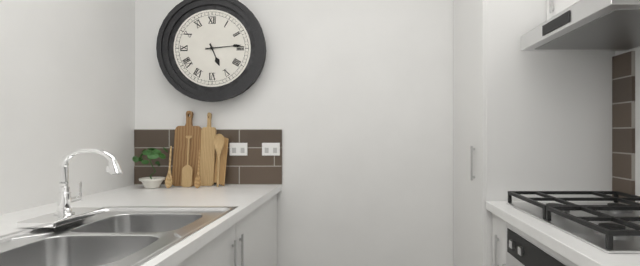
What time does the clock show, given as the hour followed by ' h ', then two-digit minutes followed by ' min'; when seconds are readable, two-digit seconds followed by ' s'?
5 h 14 min
